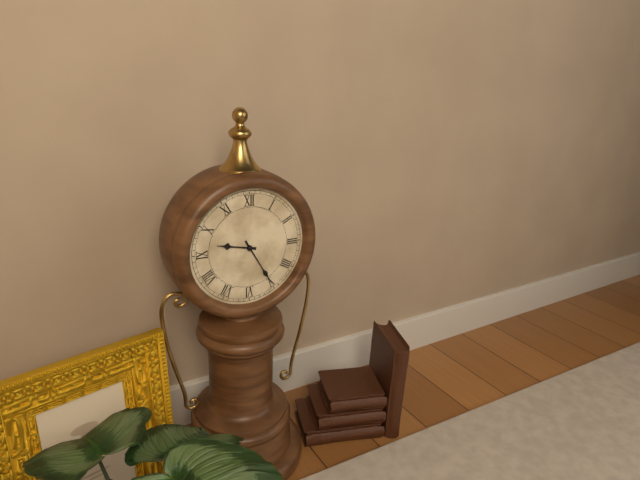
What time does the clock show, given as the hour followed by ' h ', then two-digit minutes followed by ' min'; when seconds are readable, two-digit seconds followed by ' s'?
9 h 25 min
